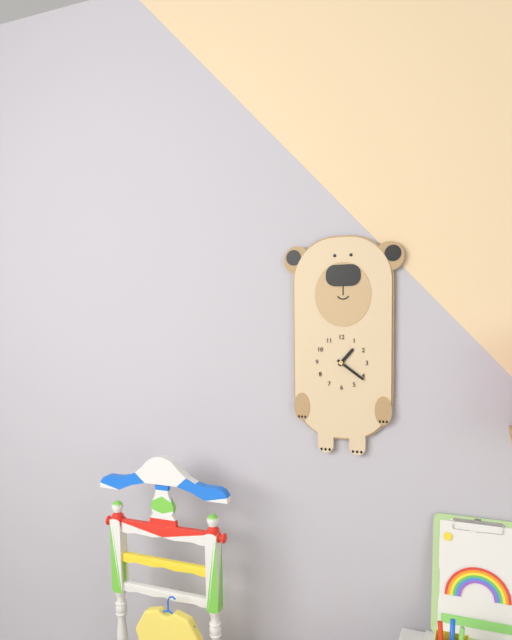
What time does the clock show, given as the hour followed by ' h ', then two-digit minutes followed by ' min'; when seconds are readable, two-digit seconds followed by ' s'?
1 h 21 min
